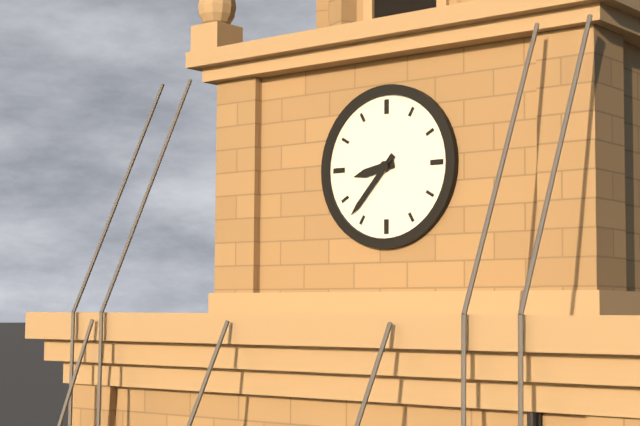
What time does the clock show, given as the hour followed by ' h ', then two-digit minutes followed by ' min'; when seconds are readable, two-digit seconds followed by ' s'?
8 h 37 min
